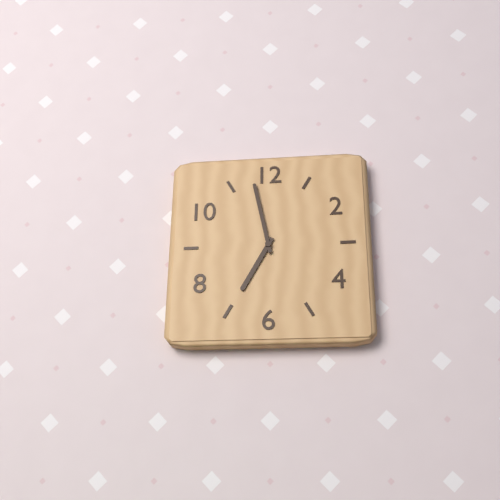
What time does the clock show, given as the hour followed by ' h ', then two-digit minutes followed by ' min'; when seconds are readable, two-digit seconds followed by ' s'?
6 h 58 min
